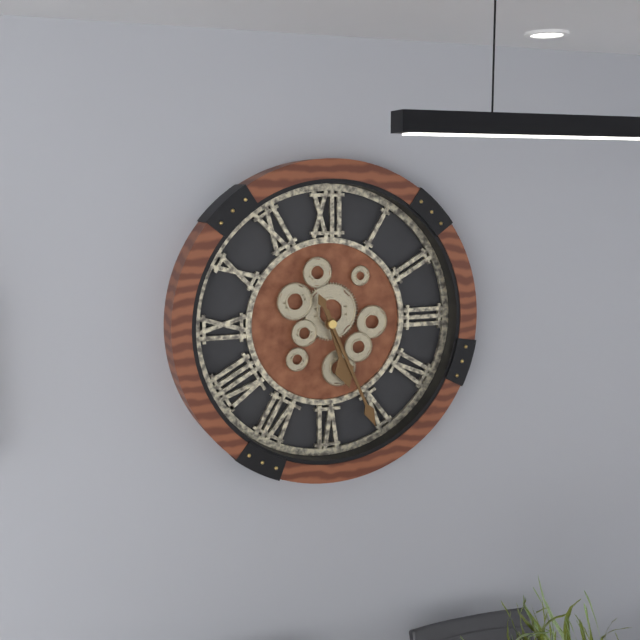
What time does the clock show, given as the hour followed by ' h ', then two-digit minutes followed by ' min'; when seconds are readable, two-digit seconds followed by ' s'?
5 h 26 min
